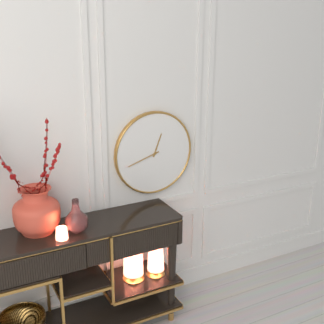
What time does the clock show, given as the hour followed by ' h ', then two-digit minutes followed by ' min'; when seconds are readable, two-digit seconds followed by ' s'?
12 h 42 min
